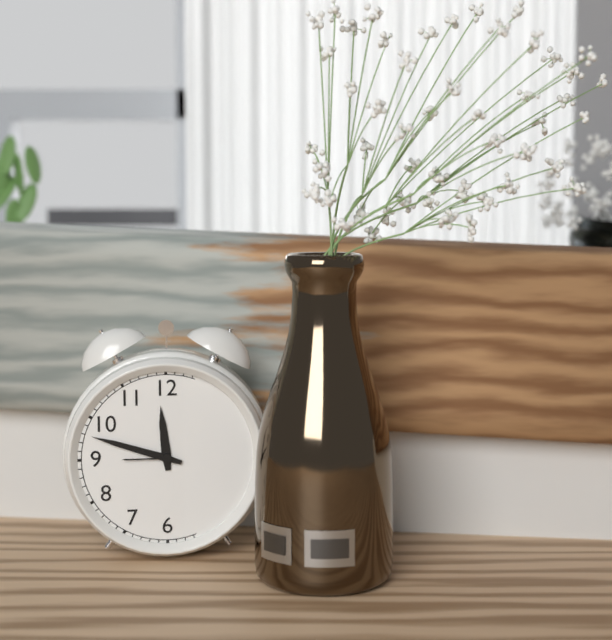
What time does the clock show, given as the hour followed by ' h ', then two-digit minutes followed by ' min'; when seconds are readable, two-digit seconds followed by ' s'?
11 h 48 min
